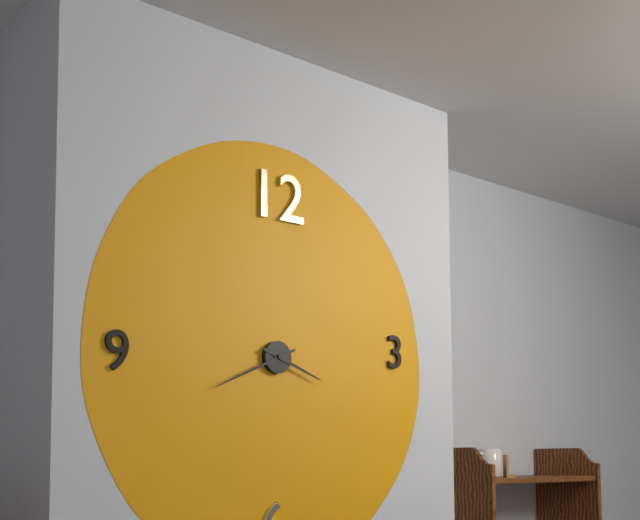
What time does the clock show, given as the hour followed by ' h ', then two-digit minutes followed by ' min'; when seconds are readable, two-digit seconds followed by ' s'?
3 h 41 min
